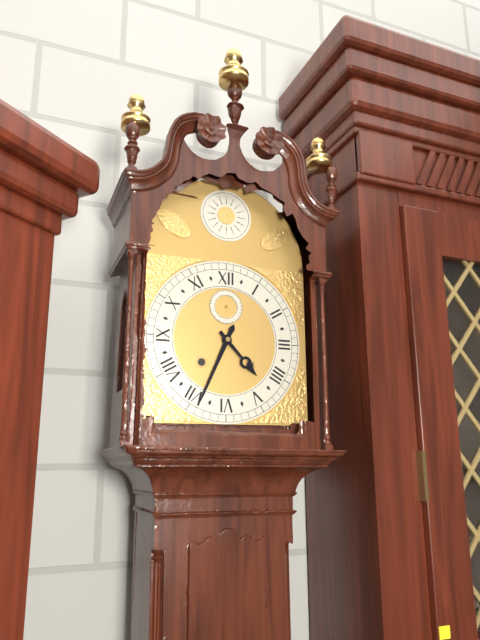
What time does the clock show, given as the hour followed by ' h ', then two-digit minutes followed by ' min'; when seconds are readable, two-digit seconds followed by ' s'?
4 h 34 min
